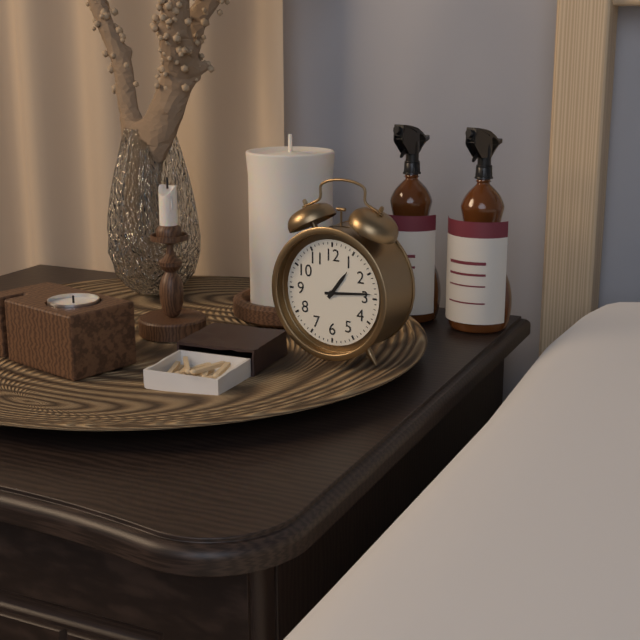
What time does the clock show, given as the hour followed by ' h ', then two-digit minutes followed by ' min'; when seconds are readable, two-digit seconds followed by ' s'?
1 h 14 min
